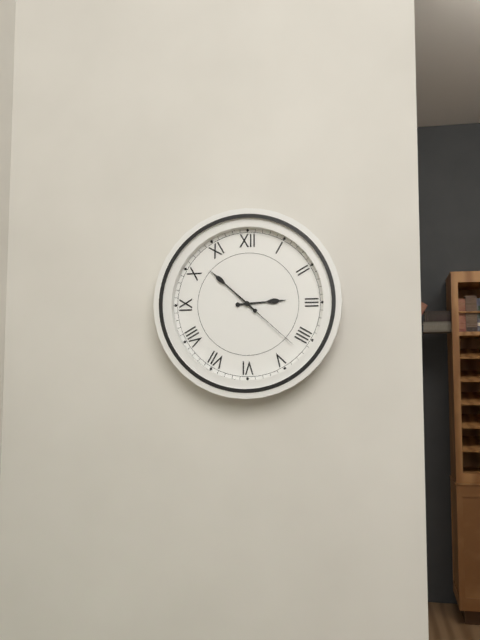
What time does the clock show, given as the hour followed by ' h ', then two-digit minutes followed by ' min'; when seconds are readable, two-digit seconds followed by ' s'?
2 h 52 min 22 s
